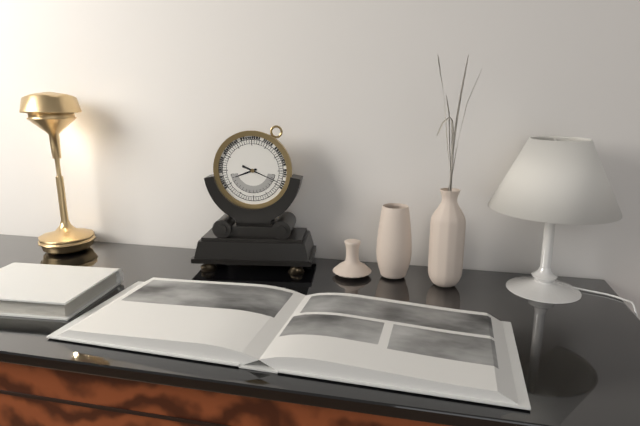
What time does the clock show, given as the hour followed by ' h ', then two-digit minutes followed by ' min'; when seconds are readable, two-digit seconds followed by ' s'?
8 h 19 min
